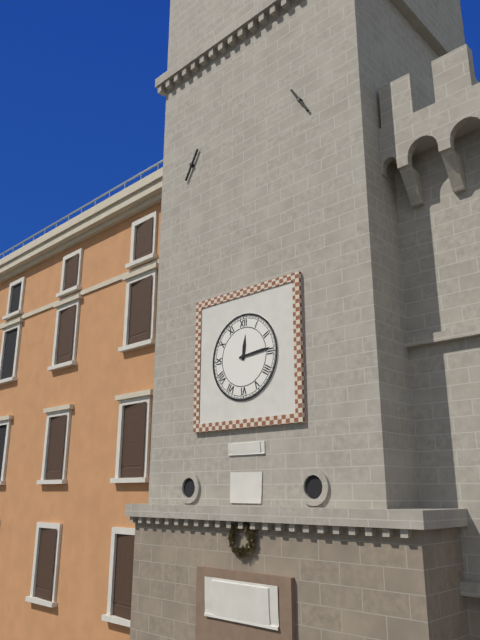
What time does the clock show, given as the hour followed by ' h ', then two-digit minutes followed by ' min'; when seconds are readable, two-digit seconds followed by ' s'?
12 h 14 min
